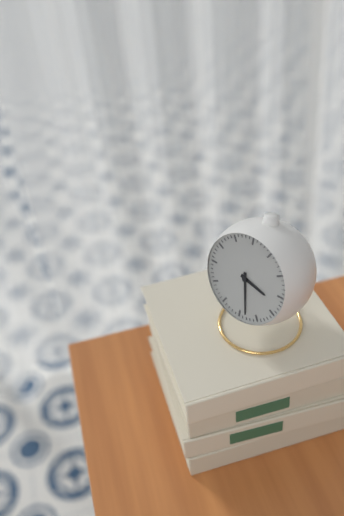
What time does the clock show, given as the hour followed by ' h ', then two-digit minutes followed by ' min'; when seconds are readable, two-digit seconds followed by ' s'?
3 h 28 min
